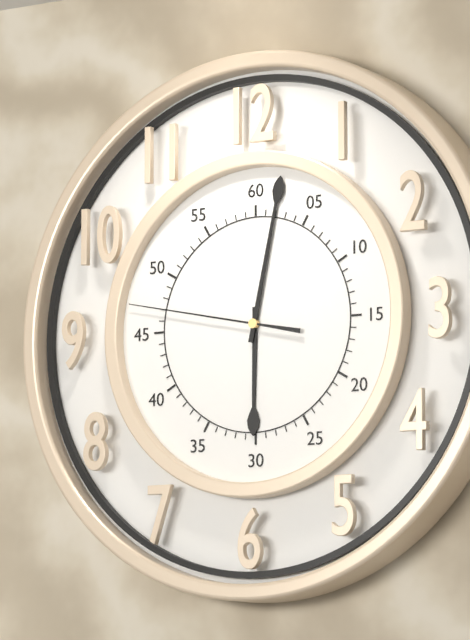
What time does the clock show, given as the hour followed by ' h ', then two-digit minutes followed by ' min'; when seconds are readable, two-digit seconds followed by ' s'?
6 h 02 min 47 s
